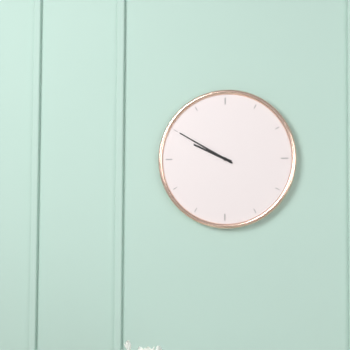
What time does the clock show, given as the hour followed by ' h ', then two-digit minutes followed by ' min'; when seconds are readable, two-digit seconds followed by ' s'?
9 h 50 min
